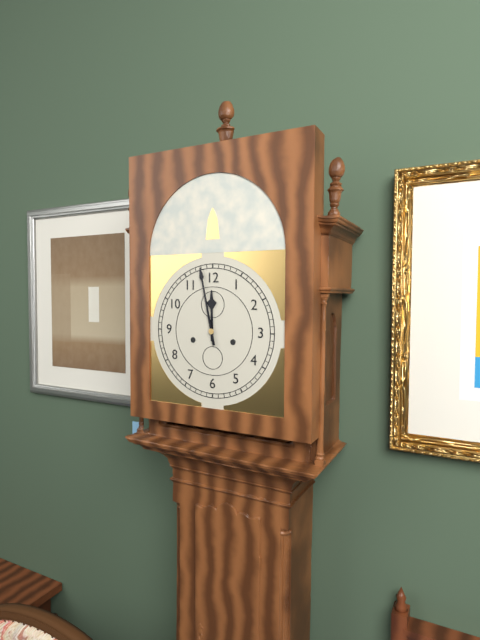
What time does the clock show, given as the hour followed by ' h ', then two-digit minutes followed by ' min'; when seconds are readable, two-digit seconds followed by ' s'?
11 h 58 min
